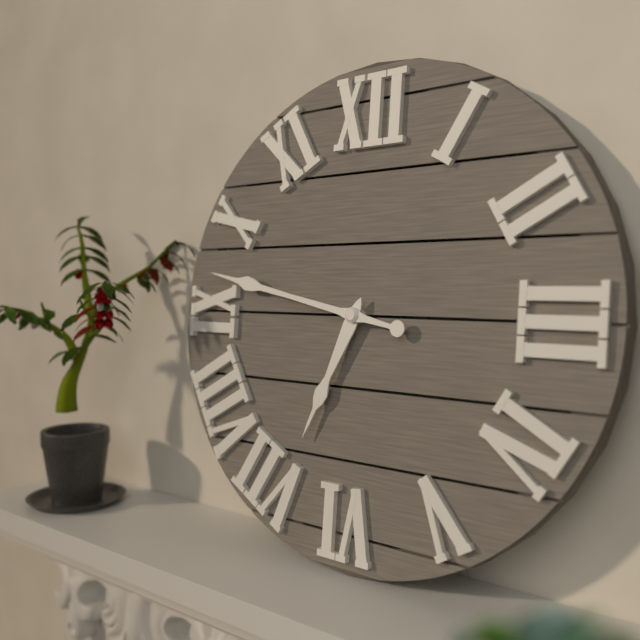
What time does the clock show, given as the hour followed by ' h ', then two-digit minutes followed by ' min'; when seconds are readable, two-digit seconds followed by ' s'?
6 h 47 min
